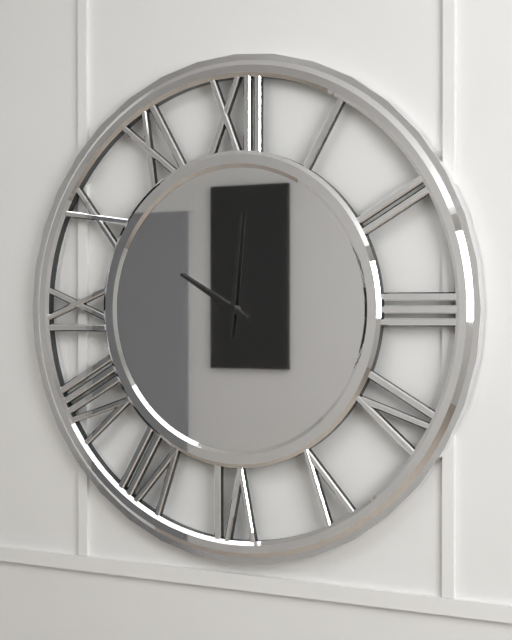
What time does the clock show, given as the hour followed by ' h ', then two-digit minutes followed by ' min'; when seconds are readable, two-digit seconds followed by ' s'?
10 h 01 min
